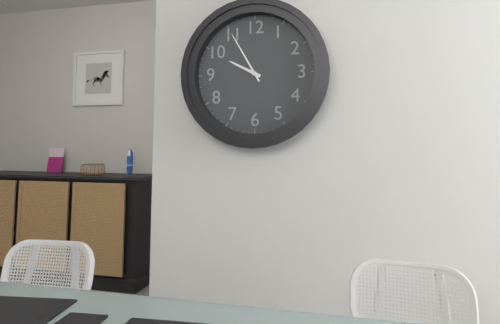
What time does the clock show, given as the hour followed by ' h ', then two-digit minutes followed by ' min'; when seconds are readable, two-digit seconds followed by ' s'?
9 h 55 min
